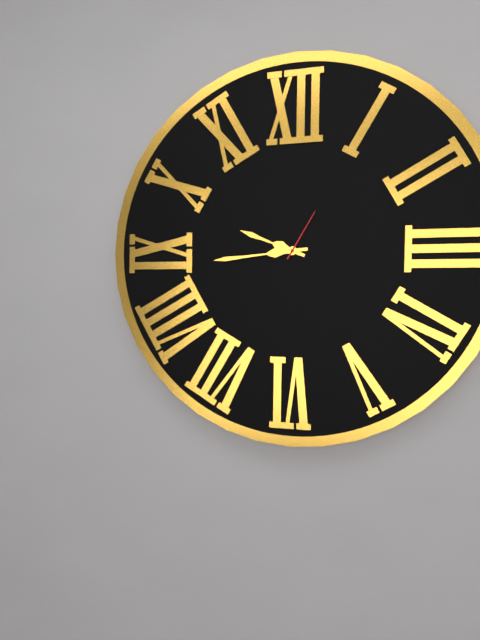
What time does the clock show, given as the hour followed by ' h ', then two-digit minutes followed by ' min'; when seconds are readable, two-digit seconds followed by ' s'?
9 h 44 min 05 s
